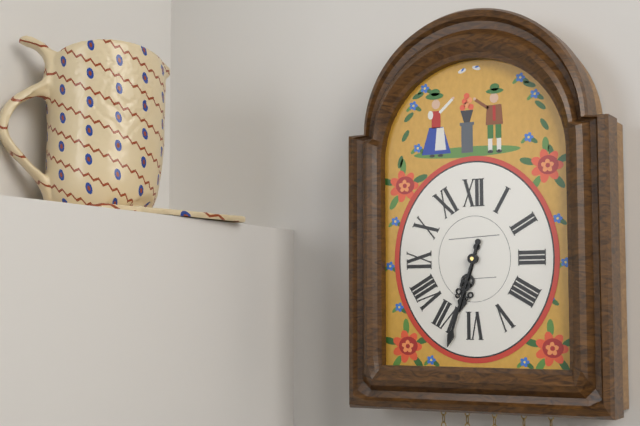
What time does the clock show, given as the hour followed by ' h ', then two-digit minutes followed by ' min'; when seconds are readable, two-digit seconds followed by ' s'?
6 h 33 min
